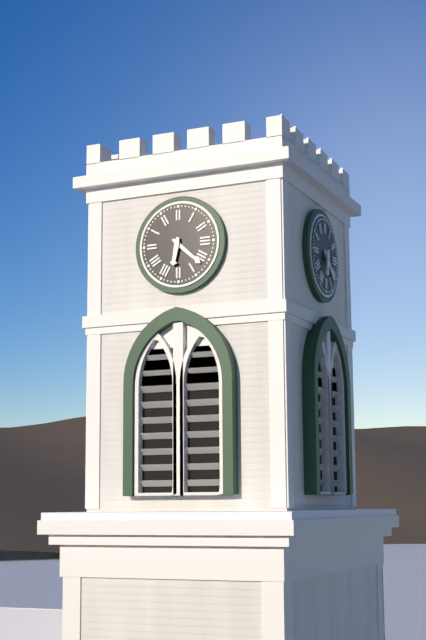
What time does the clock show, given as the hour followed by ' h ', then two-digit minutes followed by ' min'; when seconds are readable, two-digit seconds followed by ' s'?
6 h 22 min
